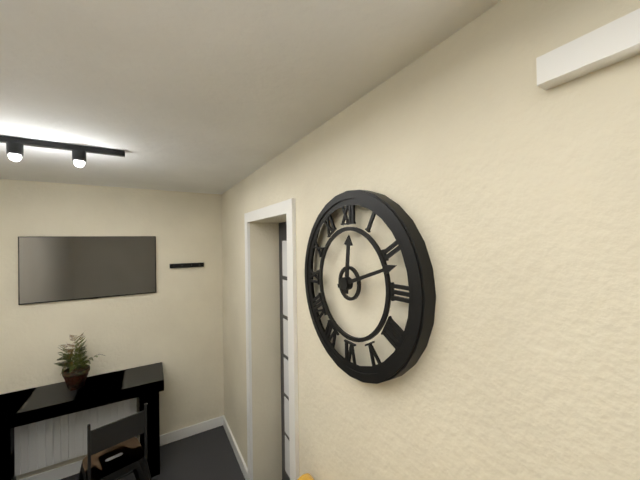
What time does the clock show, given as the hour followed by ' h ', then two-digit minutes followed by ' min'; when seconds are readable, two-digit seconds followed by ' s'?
12 h 12 min
